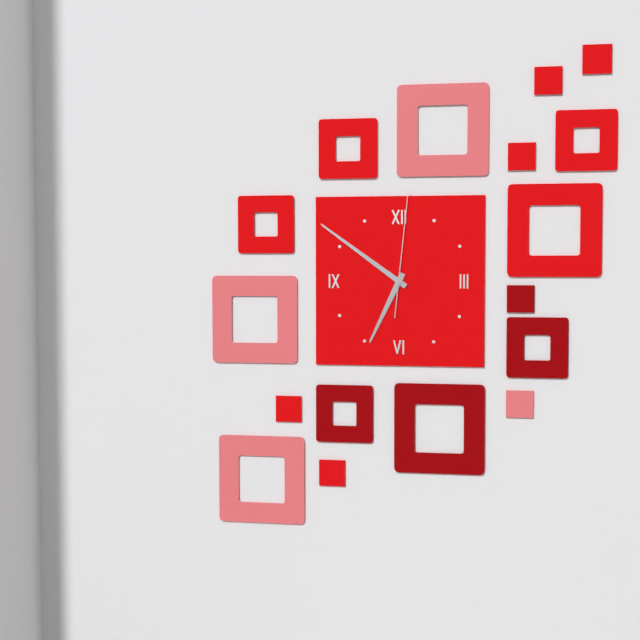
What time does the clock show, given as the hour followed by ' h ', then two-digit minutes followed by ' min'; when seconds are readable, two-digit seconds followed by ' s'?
6 h 51 min 01 s
